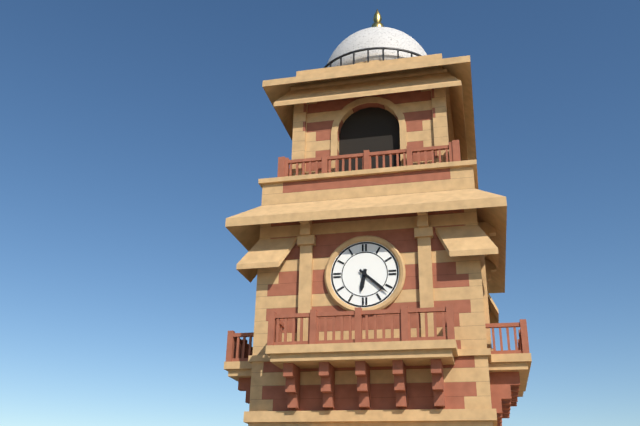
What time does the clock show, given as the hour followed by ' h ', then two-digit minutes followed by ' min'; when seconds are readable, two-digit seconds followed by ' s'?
6 h 22 min
